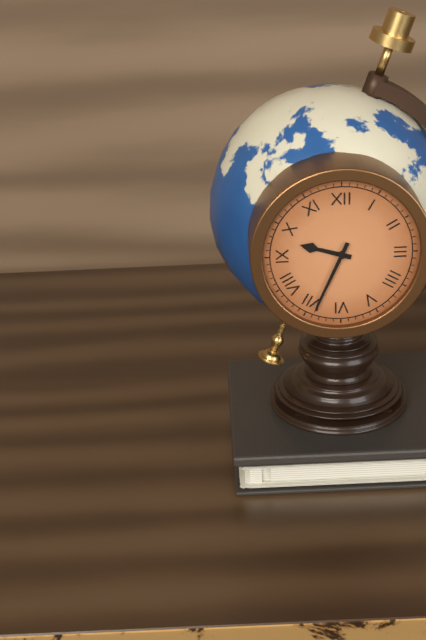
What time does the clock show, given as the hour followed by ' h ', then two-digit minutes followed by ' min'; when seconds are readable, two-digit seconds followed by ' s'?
9 h 34 min
